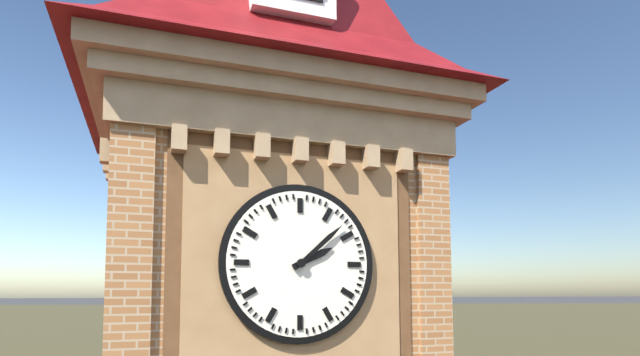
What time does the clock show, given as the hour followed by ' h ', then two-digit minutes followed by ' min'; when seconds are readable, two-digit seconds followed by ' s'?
2 h 08 min
